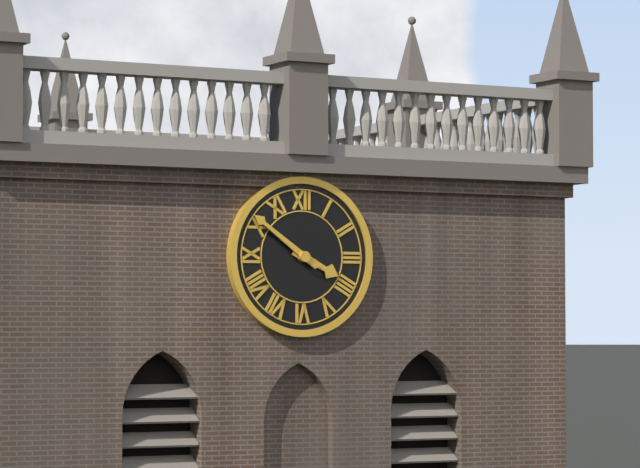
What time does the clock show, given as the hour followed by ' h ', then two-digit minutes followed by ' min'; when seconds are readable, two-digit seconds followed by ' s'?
3 h 51 min
